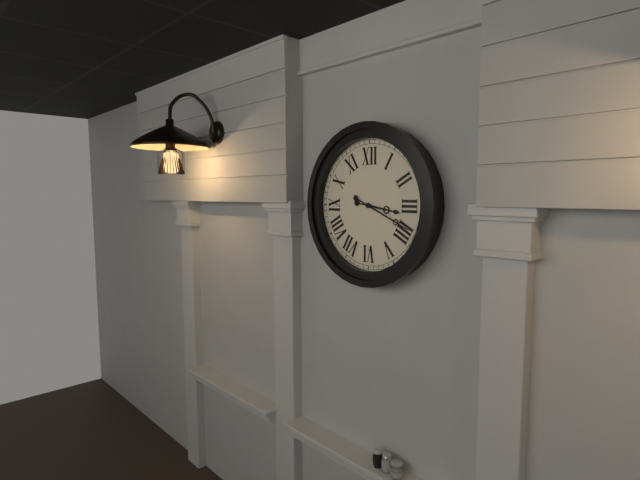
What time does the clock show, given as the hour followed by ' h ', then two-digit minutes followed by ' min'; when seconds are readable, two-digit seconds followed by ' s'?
3 h 19 min
